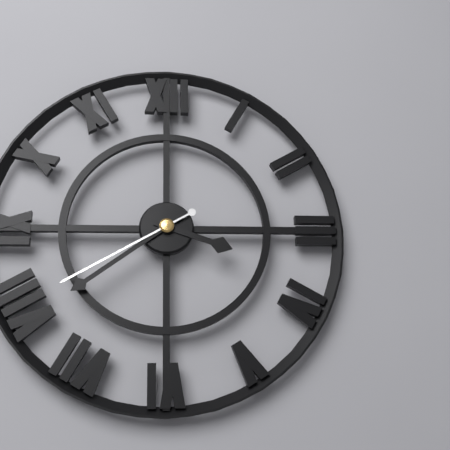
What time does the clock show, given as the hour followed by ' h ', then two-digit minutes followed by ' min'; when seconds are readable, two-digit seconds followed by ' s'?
3 h 39 min 40 s
